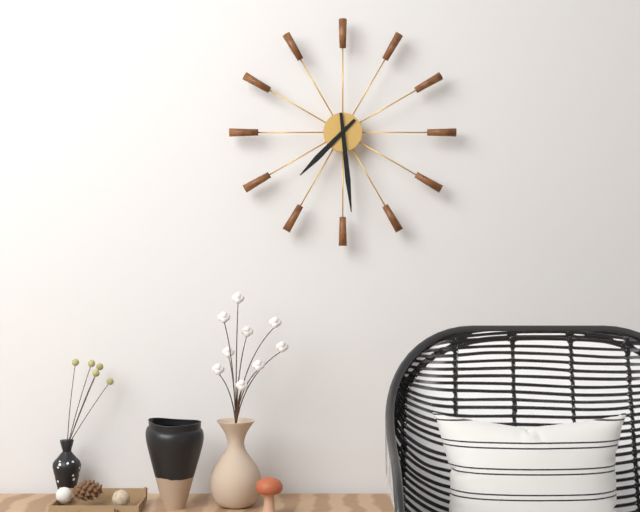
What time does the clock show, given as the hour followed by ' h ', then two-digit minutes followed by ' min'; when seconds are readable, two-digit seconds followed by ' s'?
7 h 29 min
